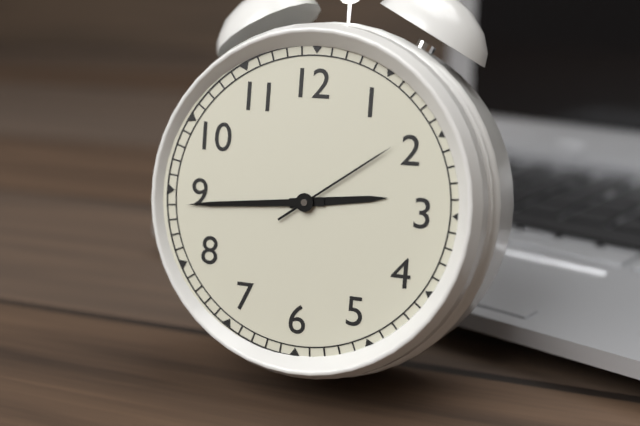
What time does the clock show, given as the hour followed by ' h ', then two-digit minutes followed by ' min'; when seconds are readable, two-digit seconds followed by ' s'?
2 h 44 min 09 s
